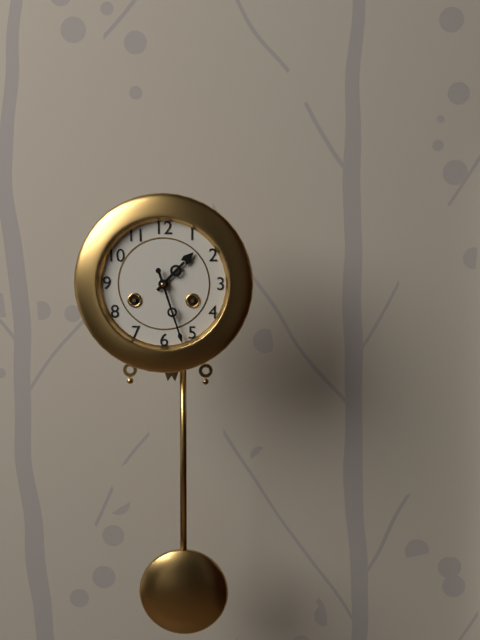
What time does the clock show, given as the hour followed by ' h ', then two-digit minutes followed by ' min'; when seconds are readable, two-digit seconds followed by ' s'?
1 h 27 min
